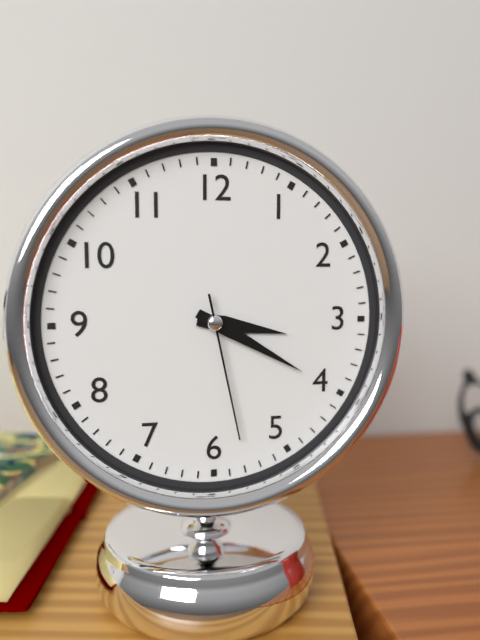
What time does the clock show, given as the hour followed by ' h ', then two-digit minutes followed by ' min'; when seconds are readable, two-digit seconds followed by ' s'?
3 h 20 min 28 s
